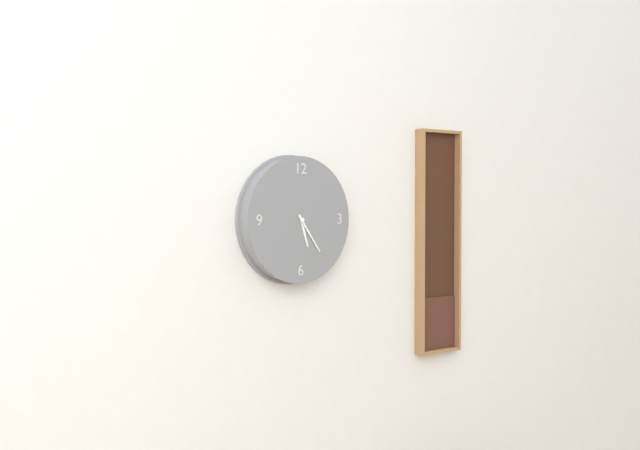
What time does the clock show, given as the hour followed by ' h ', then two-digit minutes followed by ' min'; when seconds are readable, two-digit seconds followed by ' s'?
5 h 24 min
